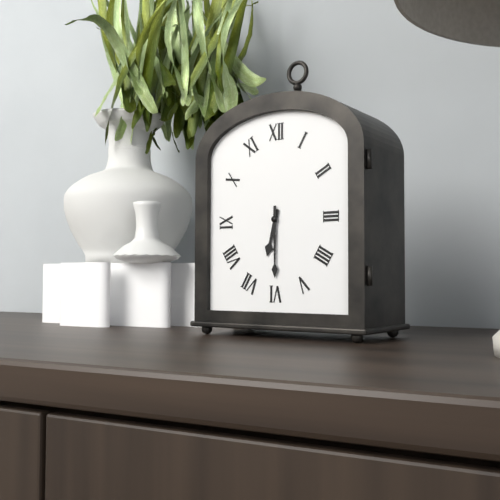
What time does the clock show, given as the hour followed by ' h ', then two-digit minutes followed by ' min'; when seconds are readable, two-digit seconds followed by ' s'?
6 h 30 min
